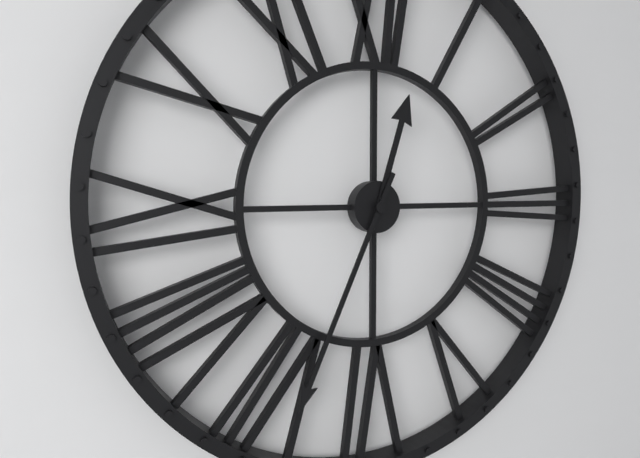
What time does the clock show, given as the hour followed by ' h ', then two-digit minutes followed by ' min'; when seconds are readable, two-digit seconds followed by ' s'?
12 h 34 min
